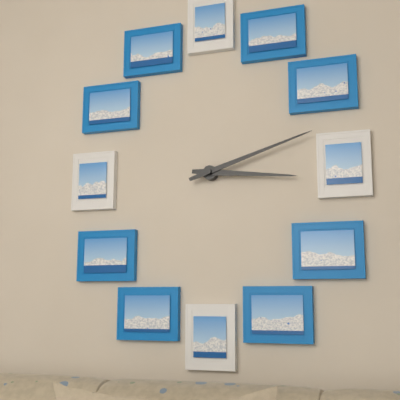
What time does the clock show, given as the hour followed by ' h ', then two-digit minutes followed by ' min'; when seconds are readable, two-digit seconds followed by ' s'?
3 h 12 min
